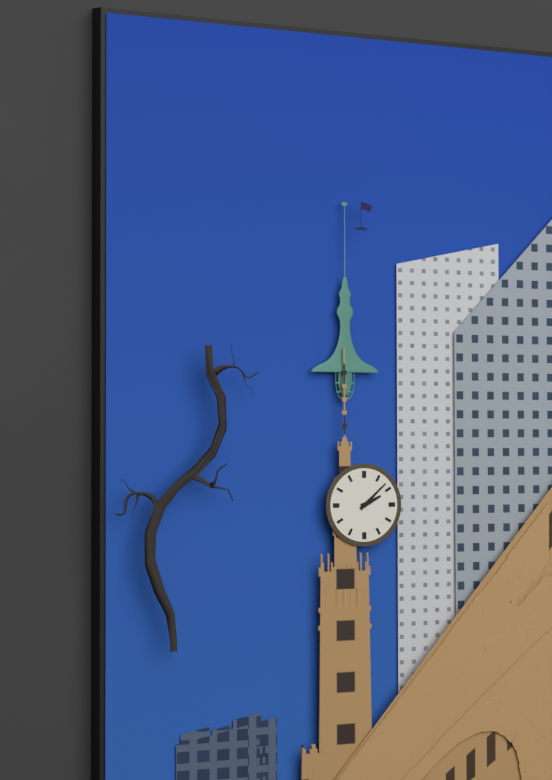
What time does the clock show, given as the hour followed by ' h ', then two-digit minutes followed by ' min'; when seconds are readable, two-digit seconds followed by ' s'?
2 h 08 min
